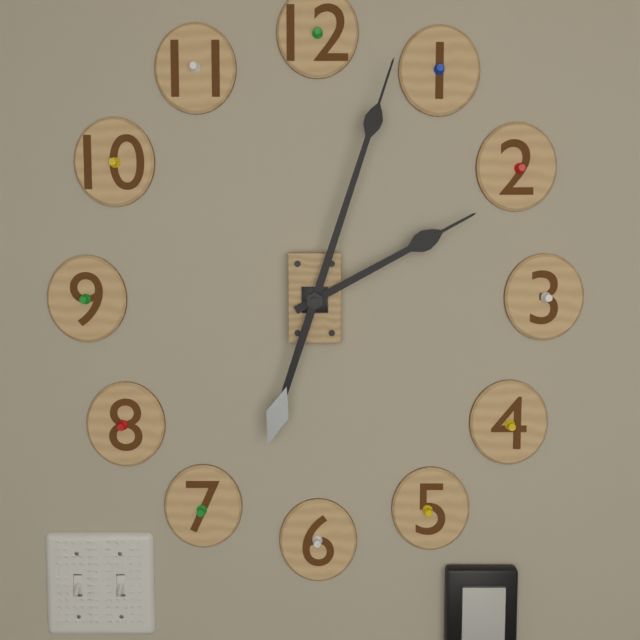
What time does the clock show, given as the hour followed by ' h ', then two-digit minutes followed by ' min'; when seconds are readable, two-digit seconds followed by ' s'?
2 h 03 min
